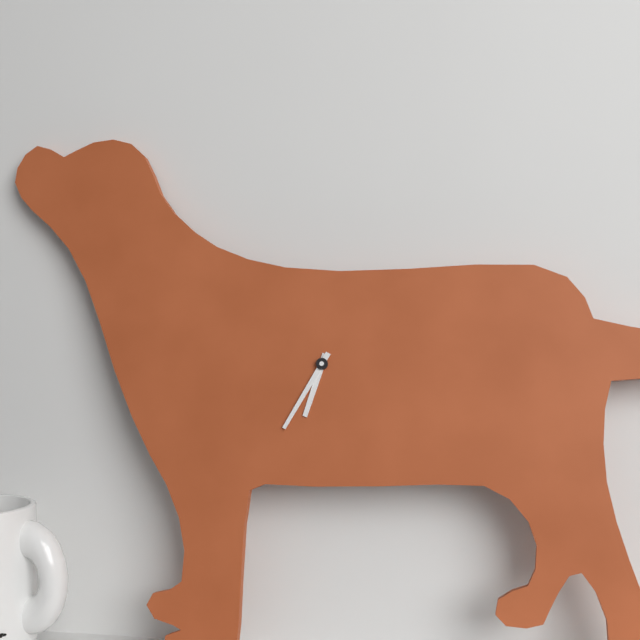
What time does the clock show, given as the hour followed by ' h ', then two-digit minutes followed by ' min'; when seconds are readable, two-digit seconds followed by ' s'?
6 h 35 min
